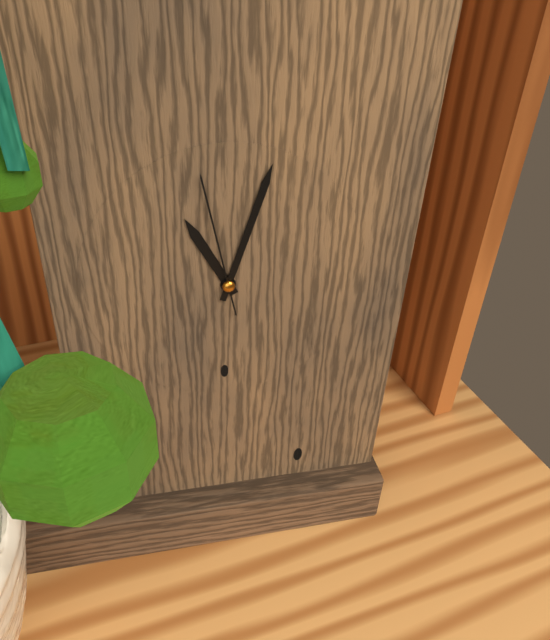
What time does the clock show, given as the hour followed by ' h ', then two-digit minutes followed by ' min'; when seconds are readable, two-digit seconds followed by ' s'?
11 h 03 min 58 s
